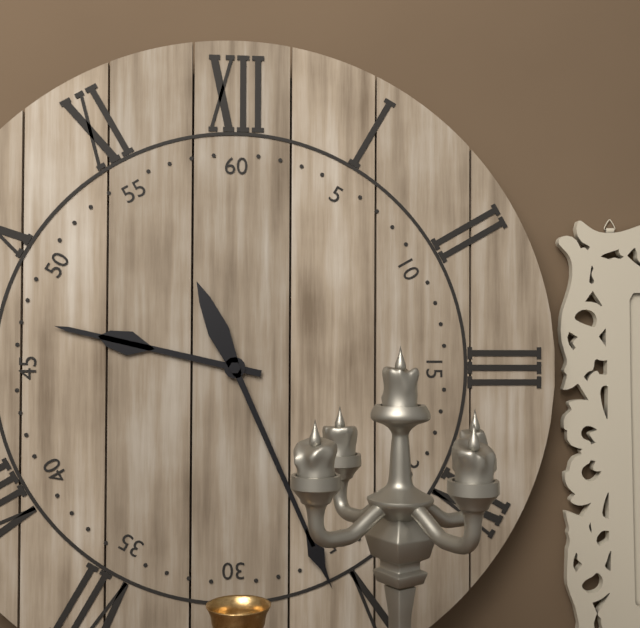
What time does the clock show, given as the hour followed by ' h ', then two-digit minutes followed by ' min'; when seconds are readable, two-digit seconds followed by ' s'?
9 h 26 min
